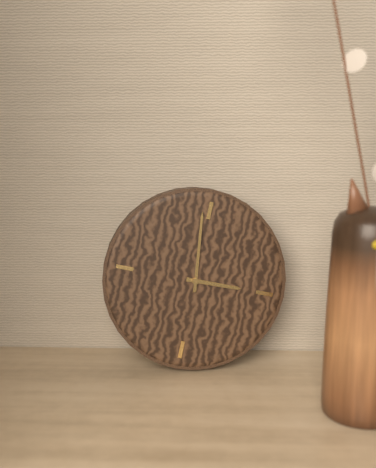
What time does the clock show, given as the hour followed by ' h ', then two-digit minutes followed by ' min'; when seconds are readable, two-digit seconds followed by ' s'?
2 h 59 min
